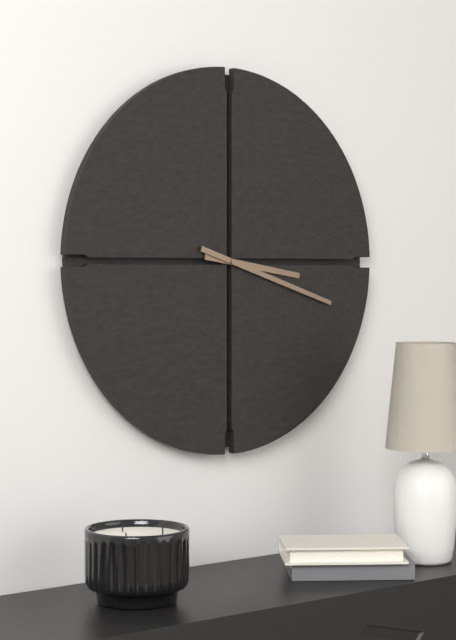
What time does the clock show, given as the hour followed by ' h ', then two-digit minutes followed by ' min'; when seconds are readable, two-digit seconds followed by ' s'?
3 h 18 min
